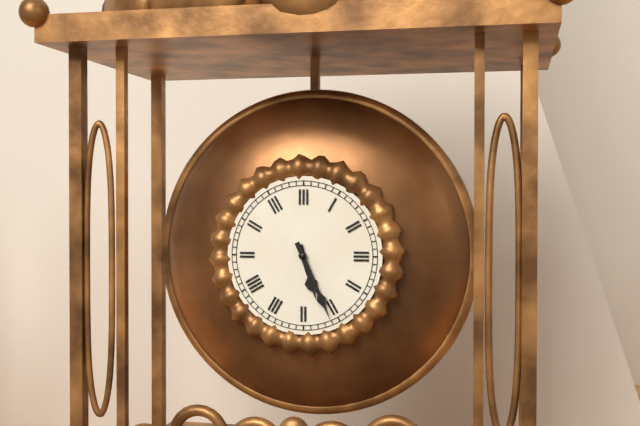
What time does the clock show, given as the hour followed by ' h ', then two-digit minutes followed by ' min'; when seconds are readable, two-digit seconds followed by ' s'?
5 h 26 min
